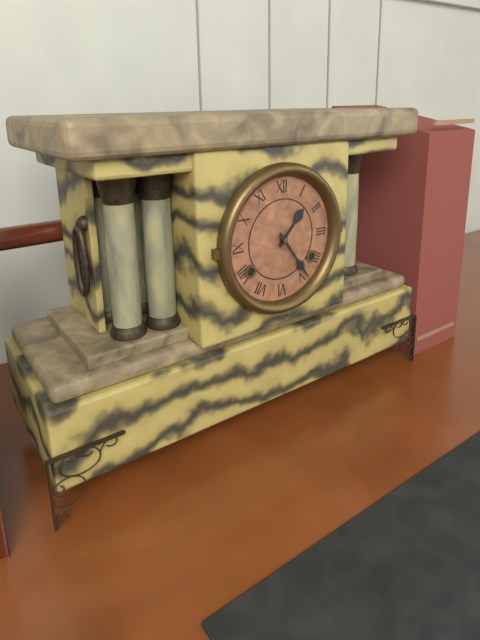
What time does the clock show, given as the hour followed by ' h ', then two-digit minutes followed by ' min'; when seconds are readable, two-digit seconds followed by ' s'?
1 h 24 min
